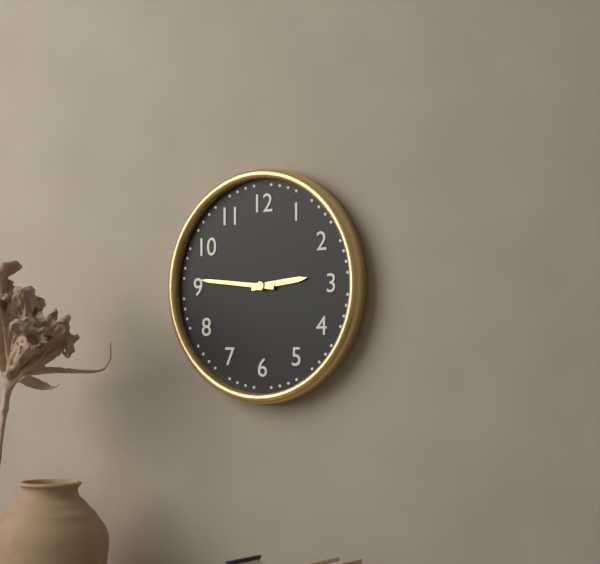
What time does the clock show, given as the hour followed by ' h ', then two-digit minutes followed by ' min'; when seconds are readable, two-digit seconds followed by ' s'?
2 h 46 min
